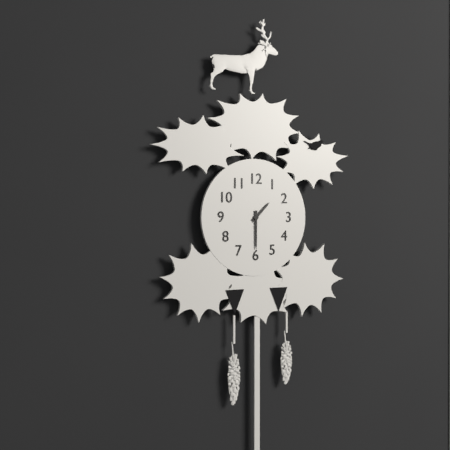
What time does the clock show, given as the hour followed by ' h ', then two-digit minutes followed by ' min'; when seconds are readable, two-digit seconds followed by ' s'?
1 h 30 min
